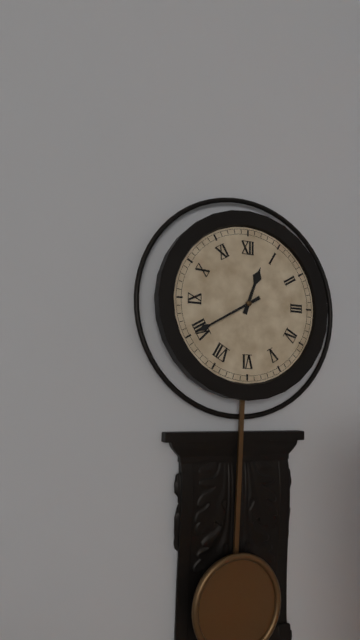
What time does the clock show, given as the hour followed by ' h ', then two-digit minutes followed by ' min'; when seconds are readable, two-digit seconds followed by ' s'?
12 h 40 min
